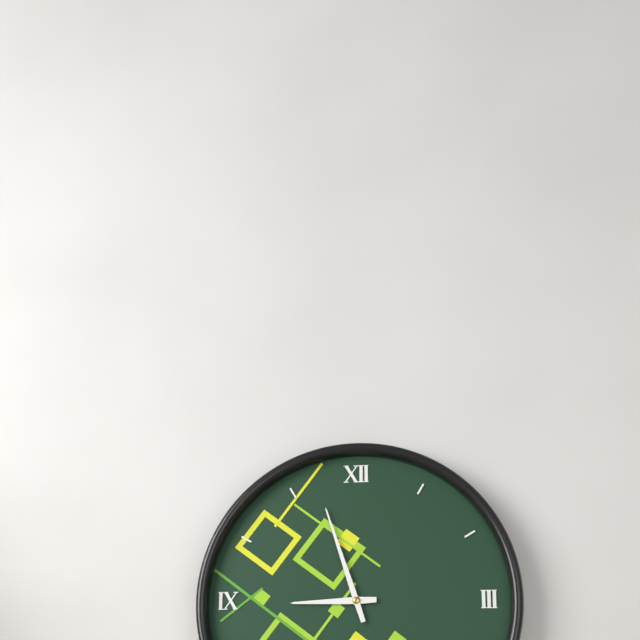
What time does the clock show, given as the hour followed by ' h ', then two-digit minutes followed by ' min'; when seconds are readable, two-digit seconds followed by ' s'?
8 h 57 min
